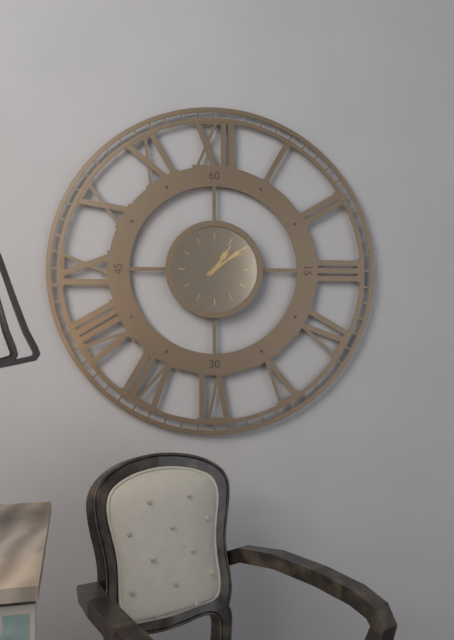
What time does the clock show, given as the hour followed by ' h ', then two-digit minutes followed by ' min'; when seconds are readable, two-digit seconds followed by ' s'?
1 h 09 min
